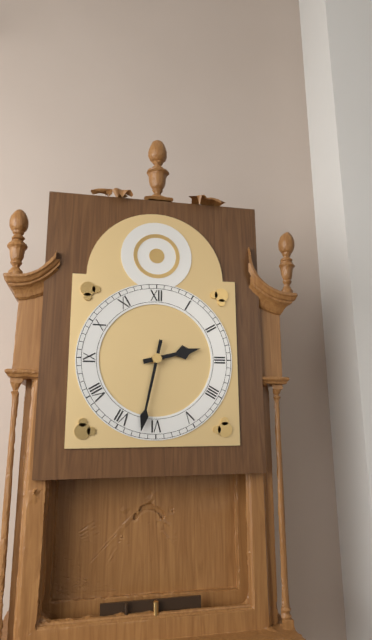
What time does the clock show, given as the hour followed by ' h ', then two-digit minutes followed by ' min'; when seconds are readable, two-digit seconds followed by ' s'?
2 h 32 min
